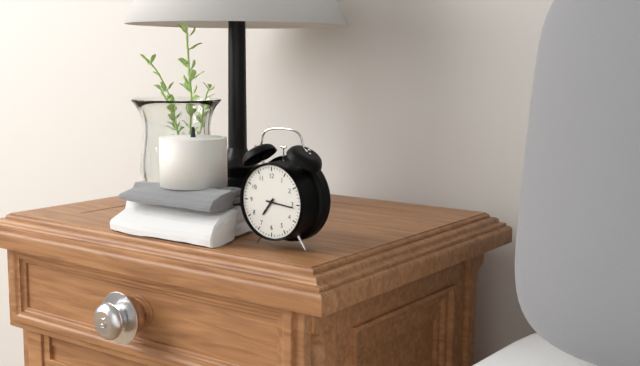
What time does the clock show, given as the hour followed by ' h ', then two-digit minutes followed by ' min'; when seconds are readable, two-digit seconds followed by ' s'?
7 h 16 min
